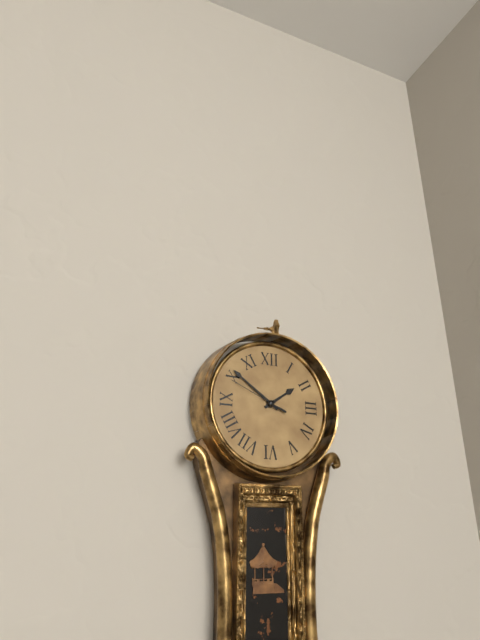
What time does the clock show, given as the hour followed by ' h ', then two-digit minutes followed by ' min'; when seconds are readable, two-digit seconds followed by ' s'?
1 h 51 min 49 s
